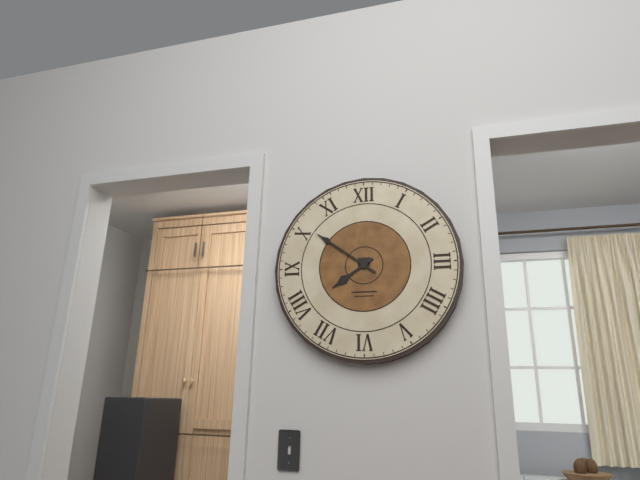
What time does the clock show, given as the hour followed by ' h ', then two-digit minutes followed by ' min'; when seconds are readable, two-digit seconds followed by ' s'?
7 h 51 min
